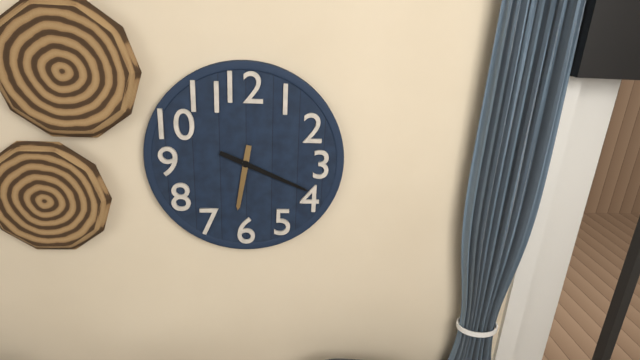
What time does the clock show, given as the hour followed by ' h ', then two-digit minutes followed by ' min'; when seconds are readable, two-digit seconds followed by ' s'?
6 h 19 min
